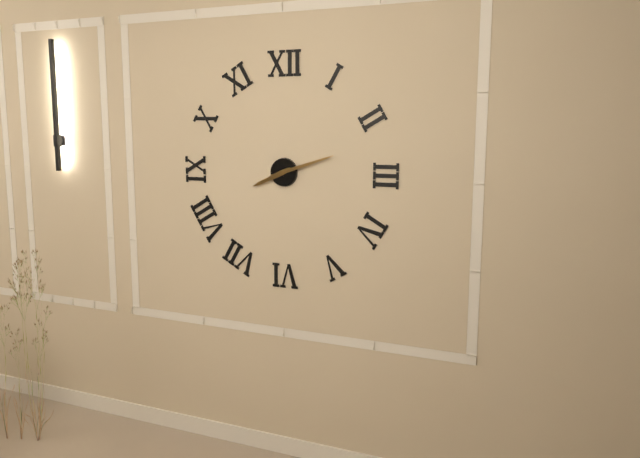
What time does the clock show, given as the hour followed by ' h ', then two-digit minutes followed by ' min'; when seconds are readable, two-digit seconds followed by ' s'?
8 h 12 min
